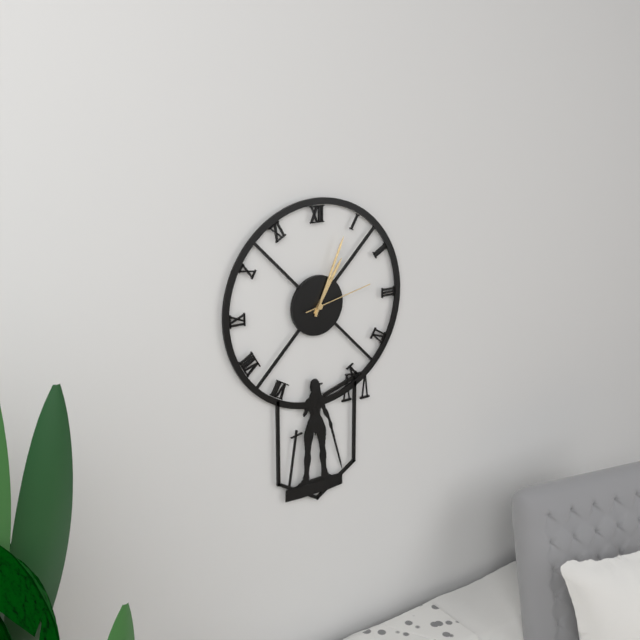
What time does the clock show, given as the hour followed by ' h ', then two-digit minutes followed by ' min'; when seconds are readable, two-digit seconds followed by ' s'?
1 h 04 min 13 s
